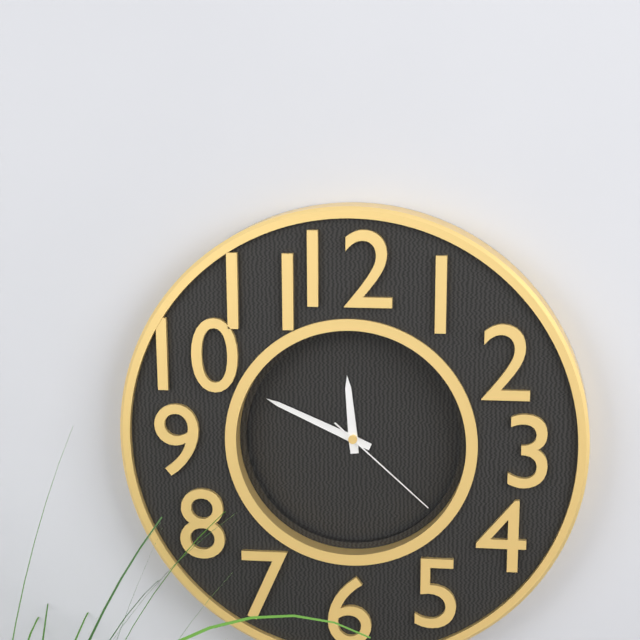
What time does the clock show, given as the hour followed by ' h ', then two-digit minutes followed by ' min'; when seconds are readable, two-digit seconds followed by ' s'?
11 h 49 min 22 s
